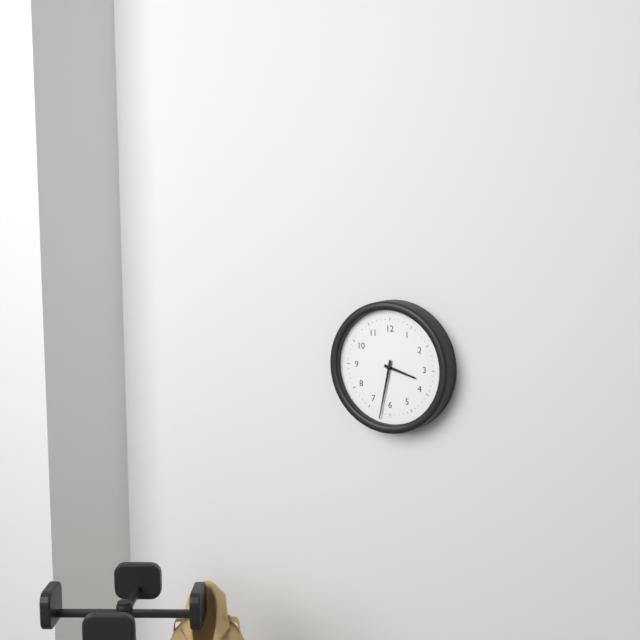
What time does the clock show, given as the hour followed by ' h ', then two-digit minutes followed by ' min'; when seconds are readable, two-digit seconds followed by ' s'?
3 h 32 min
